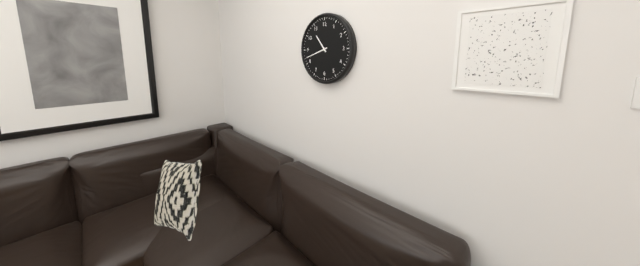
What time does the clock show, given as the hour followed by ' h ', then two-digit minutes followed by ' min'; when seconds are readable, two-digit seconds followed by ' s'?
10 h 42 min
